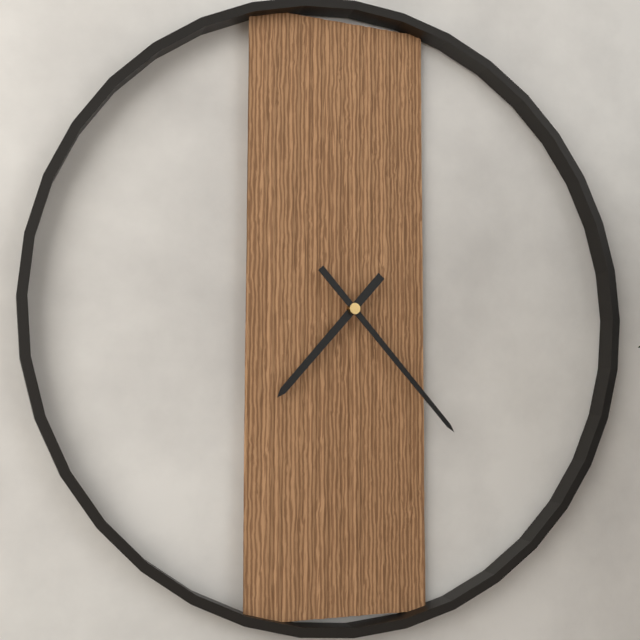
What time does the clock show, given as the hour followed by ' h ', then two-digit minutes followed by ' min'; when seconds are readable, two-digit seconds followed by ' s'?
7 h 23 min
